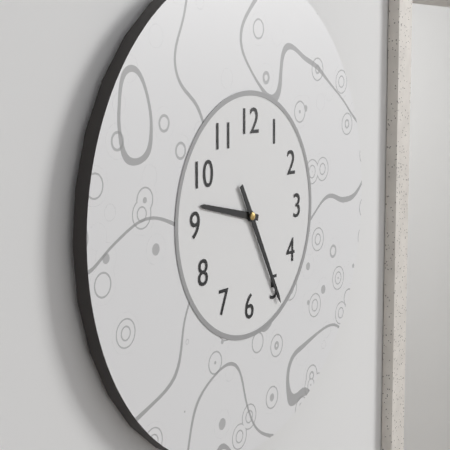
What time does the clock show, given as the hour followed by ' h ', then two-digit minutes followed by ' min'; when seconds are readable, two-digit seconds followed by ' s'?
9 h 25 min
